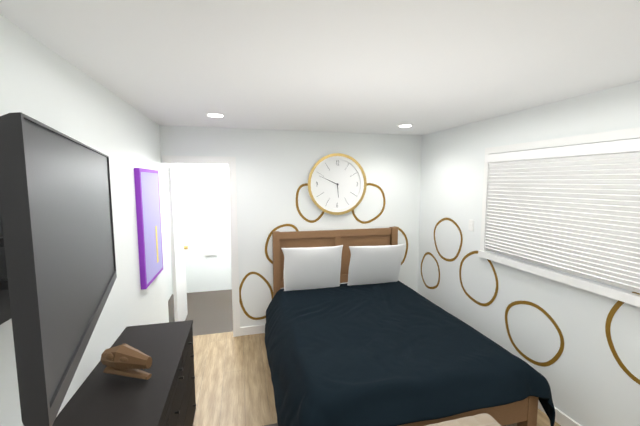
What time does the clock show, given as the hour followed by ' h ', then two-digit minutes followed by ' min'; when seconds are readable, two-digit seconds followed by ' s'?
5 h 49 min
